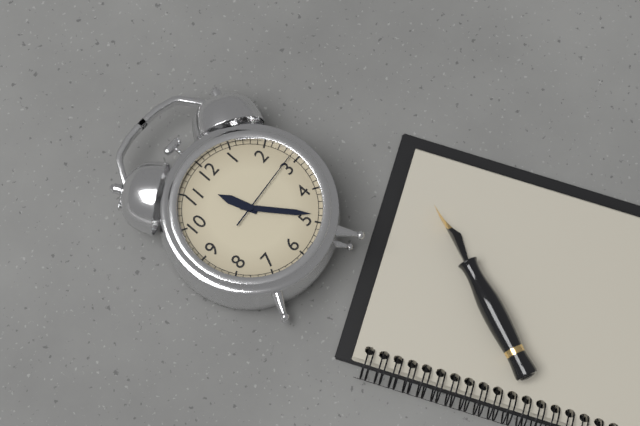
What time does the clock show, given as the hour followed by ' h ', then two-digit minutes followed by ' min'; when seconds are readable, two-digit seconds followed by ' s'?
11 h 24 min 14 s
